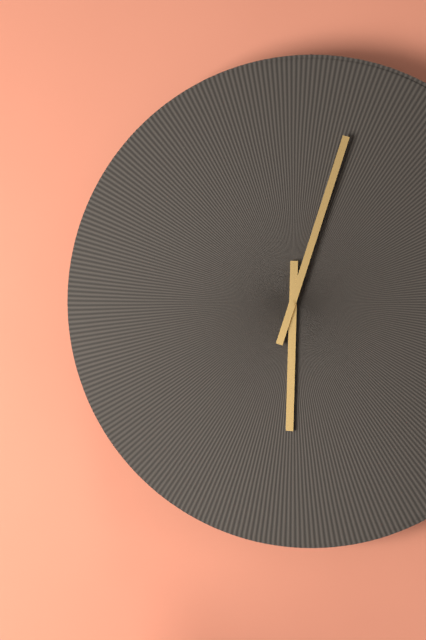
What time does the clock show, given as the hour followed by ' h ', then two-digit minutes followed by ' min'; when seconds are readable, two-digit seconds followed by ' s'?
6 h 03 min
